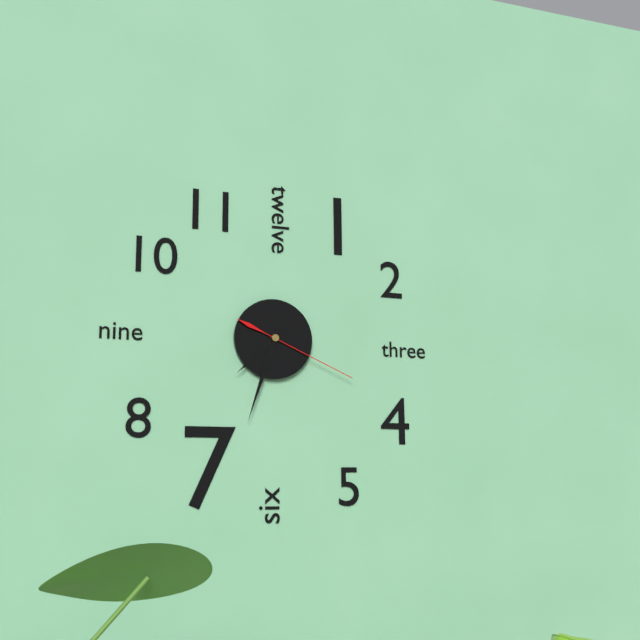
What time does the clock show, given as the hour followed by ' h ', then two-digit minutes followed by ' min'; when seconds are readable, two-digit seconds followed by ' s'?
7 h 33 min 19 s
